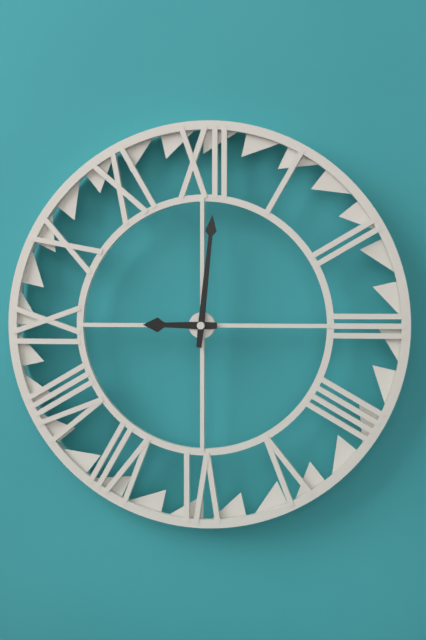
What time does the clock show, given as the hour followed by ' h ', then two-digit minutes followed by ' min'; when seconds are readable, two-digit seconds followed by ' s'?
9 h 01 min
